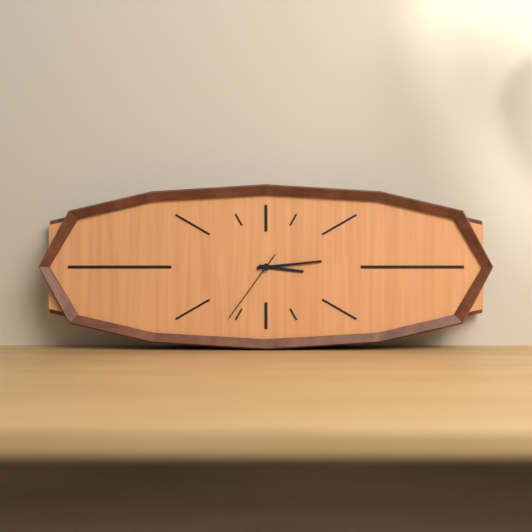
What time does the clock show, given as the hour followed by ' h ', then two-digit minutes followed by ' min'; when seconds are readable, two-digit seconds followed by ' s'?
3 h 14 min 36 s
